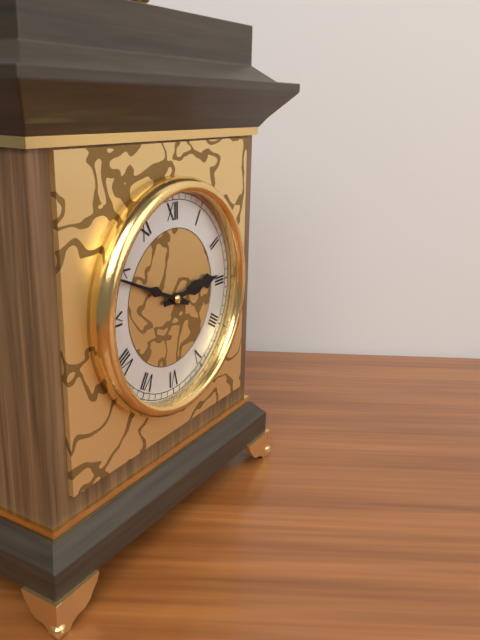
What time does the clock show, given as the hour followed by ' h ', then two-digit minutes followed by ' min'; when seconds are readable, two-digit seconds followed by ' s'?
2 h 49 min
